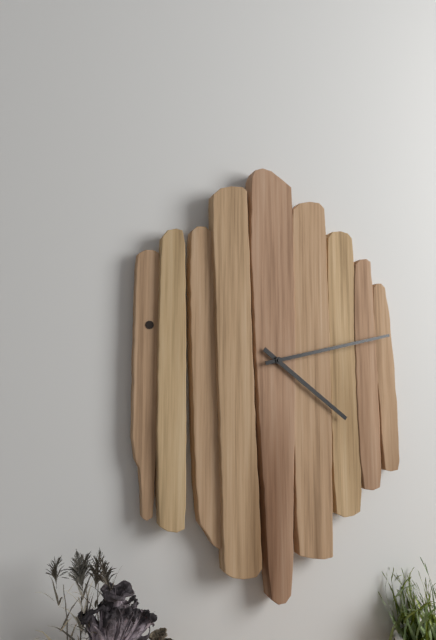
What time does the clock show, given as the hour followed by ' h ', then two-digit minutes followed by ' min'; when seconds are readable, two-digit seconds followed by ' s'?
4 h 13 min
